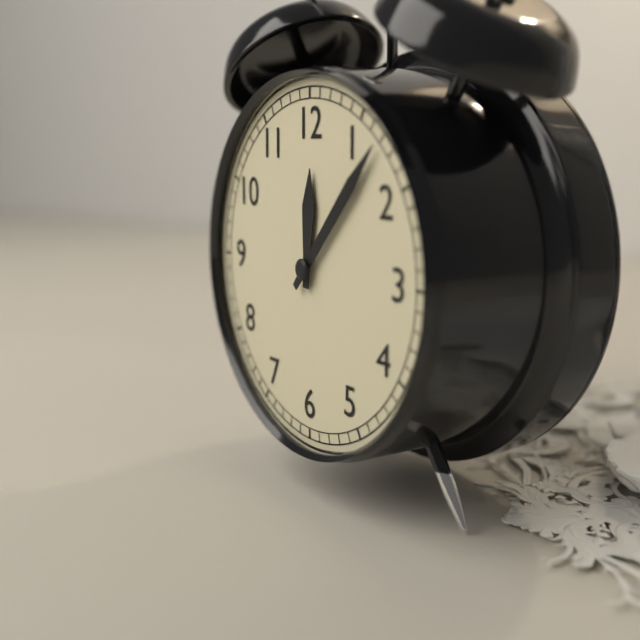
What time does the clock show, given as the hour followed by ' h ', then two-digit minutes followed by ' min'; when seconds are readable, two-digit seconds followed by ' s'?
12 h 07 min
